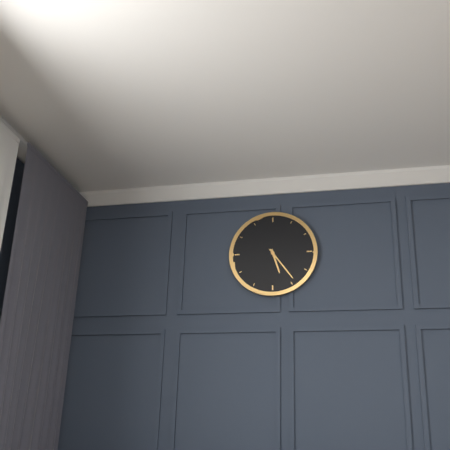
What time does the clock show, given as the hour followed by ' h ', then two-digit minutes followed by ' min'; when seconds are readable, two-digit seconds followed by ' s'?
5 h 24 min
